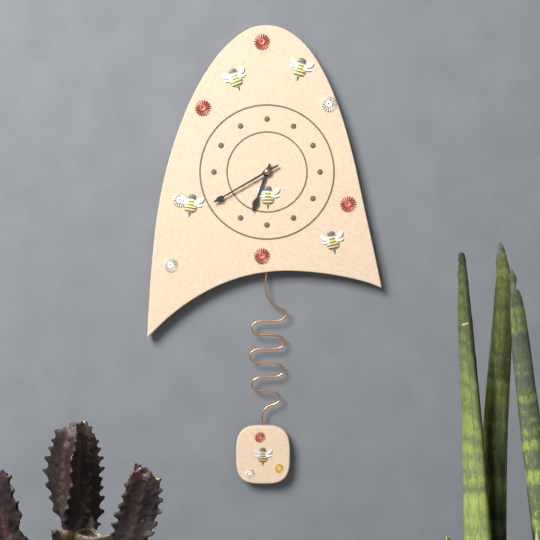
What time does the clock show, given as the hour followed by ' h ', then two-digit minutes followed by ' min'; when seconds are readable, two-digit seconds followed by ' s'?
6 h 40 min
